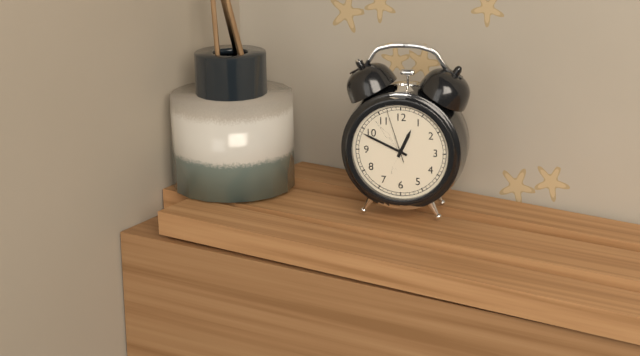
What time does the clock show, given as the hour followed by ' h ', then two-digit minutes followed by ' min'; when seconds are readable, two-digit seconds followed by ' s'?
12 h 49 min 57 s
